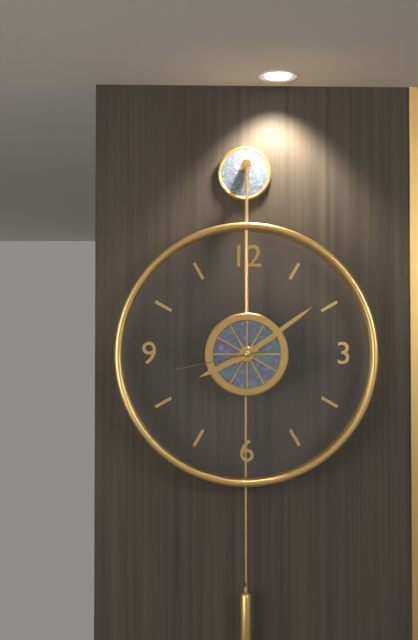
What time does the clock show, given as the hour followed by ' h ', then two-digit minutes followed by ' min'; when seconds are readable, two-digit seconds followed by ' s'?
8 h 09 min 43 s
